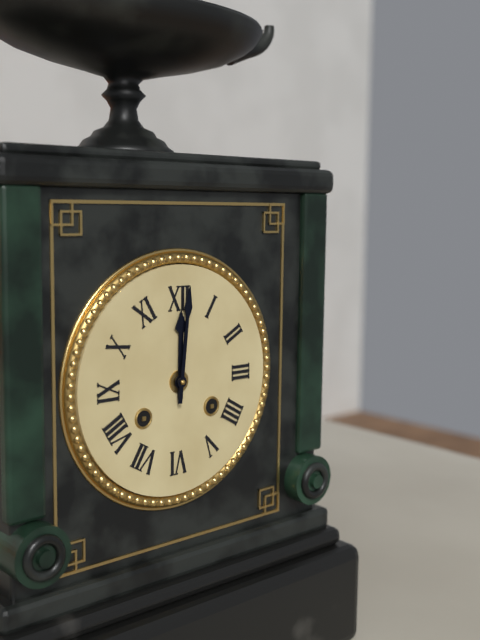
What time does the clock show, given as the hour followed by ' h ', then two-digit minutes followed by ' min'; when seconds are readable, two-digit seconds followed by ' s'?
12 h 01 min
